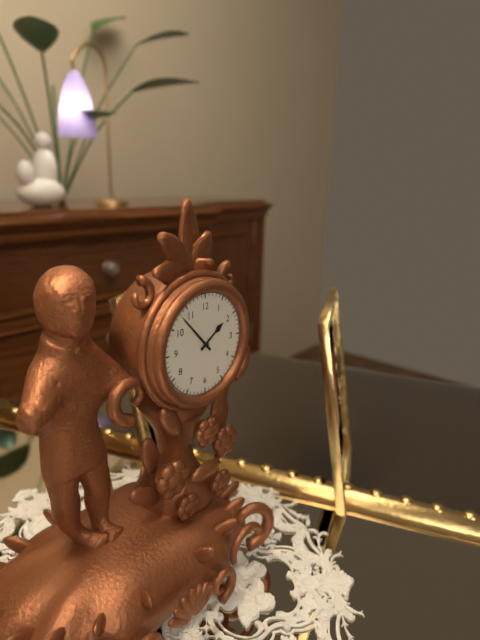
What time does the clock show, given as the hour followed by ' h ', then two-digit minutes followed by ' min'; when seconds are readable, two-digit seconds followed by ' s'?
1 h 53 min
